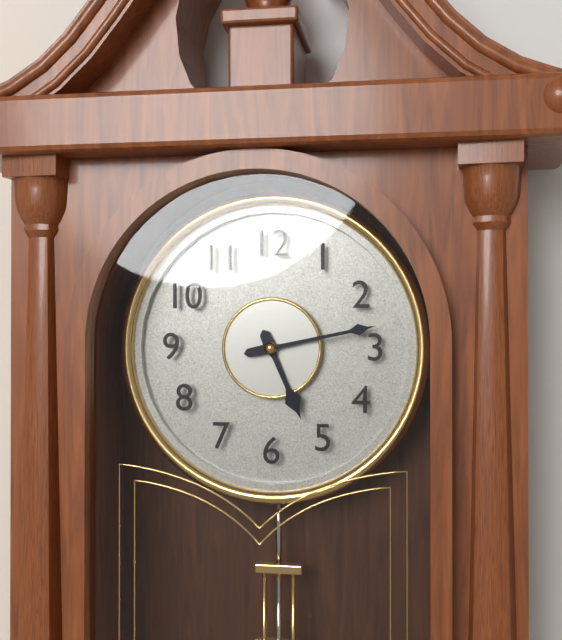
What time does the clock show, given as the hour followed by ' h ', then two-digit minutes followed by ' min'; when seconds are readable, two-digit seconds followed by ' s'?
5 h 13 min
